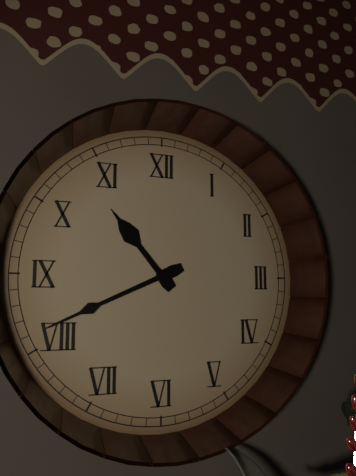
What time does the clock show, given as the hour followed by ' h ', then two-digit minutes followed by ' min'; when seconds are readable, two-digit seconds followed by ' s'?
10 h 41 min
